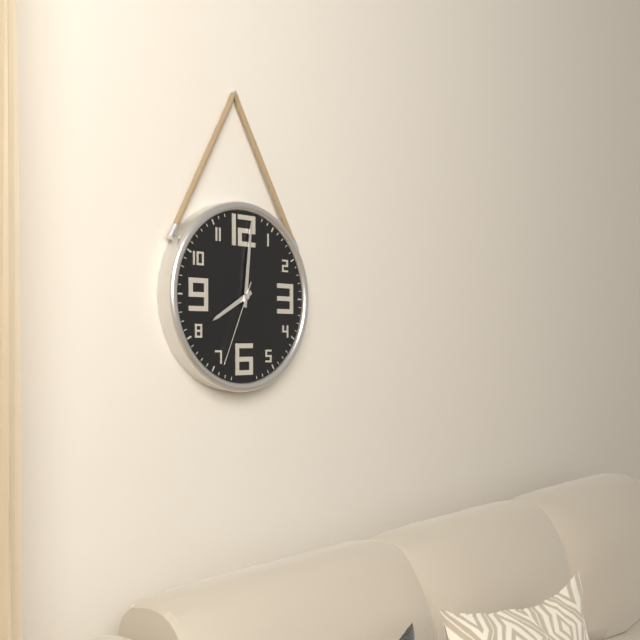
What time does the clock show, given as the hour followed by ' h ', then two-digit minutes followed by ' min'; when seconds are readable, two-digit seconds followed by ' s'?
8 h 01 min 34 s
